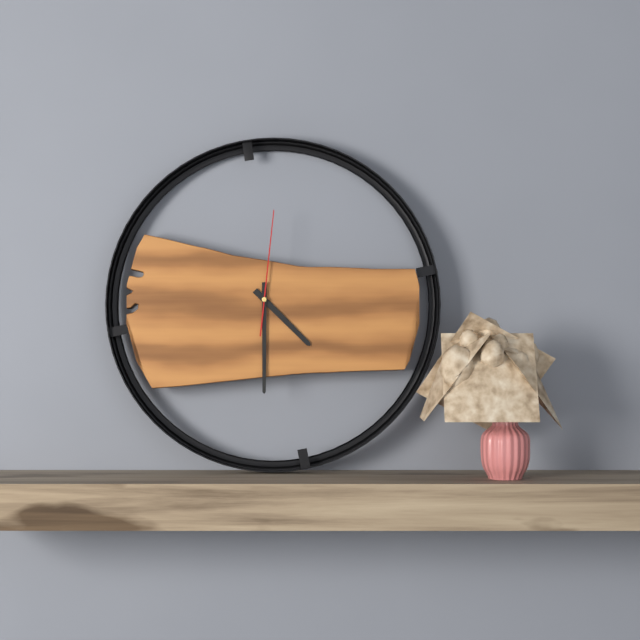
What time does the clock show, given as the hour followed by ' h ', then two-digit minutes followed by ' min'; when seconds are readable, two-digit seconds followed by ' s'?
4 h 30 min 01 s
